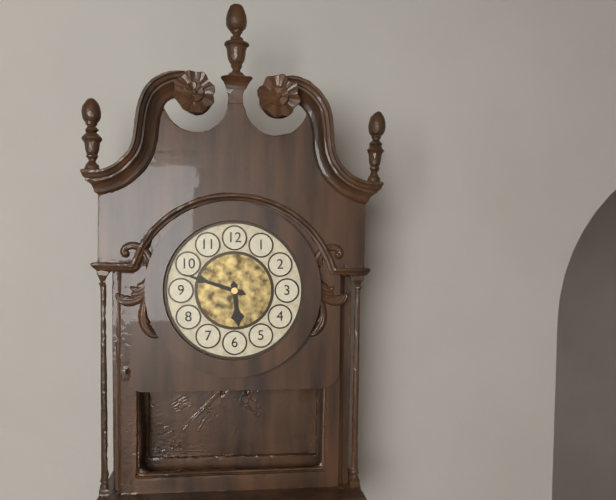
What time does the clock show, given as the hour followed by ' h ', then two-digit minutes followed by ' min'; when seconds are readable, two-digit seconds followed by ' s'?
5 h 48 min
